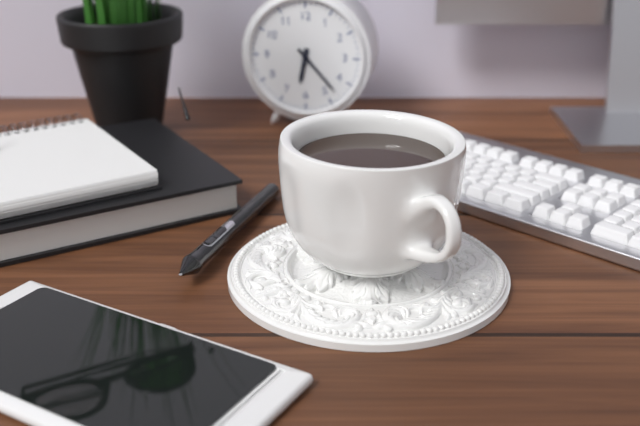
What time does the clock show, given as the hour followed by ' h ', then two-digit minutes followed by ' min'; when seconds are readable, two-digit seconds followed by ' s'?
6 h 23 min
